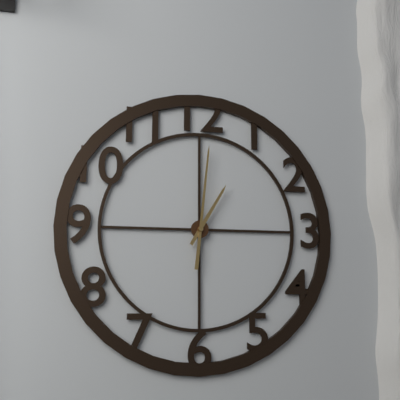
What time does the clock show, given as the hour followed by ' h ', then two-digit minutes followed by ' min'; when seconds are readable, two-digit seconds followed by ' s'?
1 h 01 min
